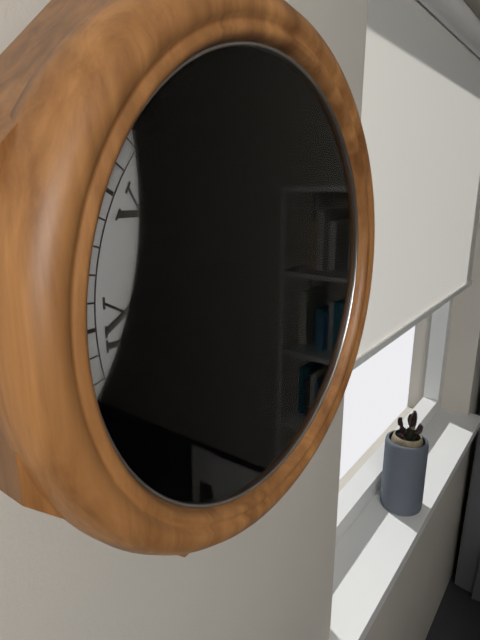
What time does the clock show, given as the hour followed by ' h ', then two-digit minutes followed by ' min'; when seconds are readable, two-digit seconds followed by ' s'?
3 h 07 min
